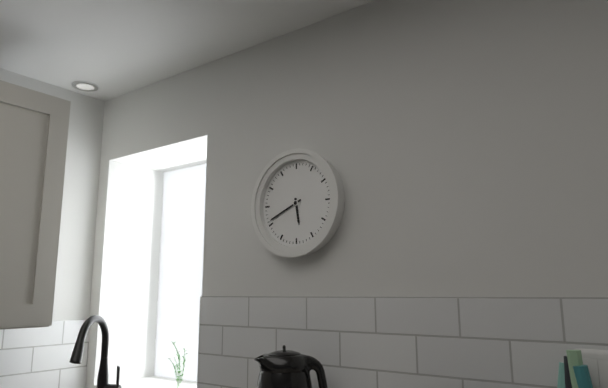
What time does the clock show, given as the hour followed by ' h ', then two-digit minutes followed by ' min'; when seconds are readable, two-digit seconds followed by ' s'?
5 h 41 min
